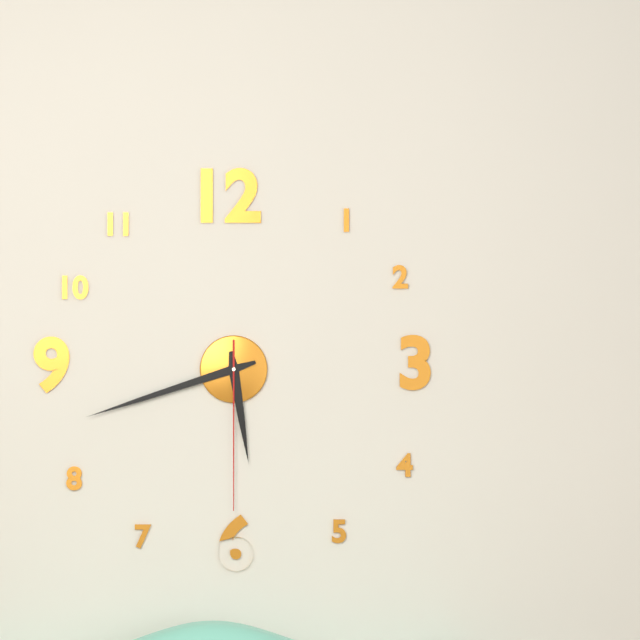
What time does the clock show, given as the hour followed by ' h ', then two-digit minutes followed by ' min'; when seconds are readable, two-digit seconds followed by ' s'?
5 h 42 min 30 s
